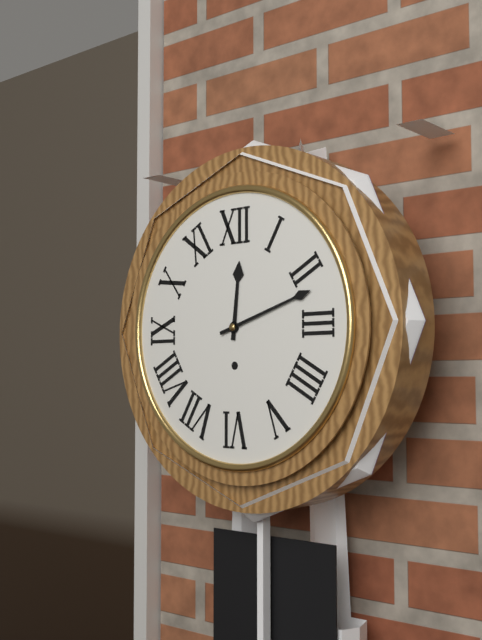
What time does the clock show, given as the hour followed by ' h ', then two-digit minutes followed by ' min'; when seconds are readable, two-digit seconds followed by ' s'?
12 h 12 min
